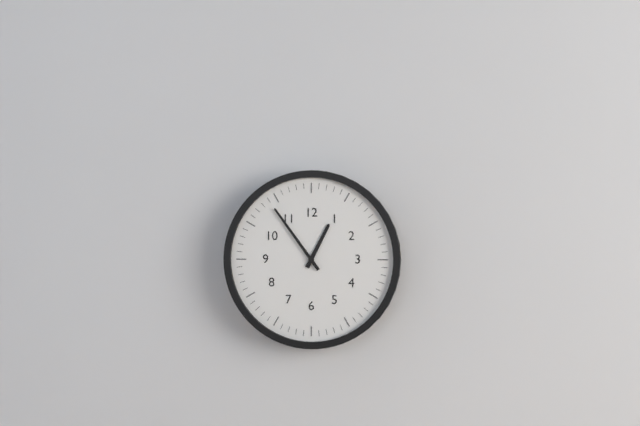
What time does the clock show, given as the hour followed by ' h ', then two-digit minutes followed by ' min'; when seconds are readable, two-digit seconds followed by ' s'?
12 h 54 min
